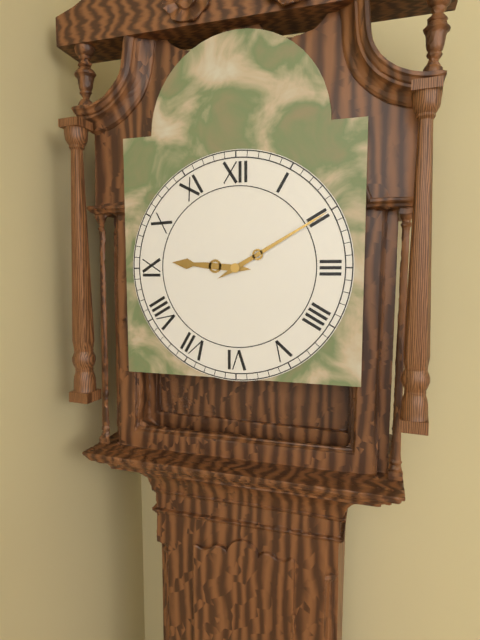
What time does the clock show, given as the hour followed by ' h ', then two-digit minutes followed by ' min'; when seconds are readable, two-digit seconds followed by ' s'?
9 h 10 min
